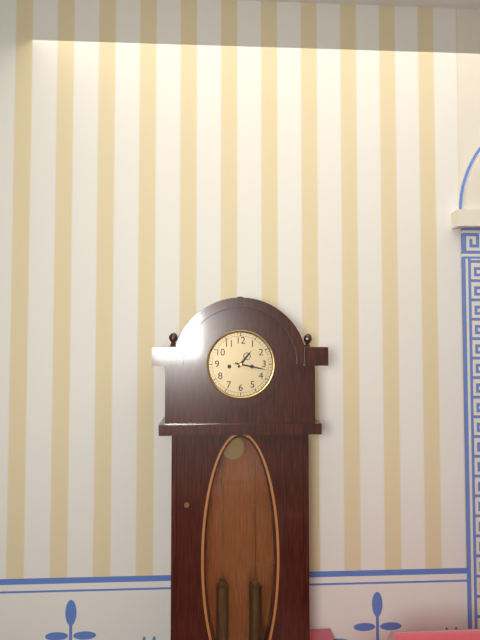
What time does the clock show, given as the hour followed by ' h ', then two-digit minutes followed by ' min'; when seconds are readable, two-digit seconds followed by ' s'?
1 h 17 min
